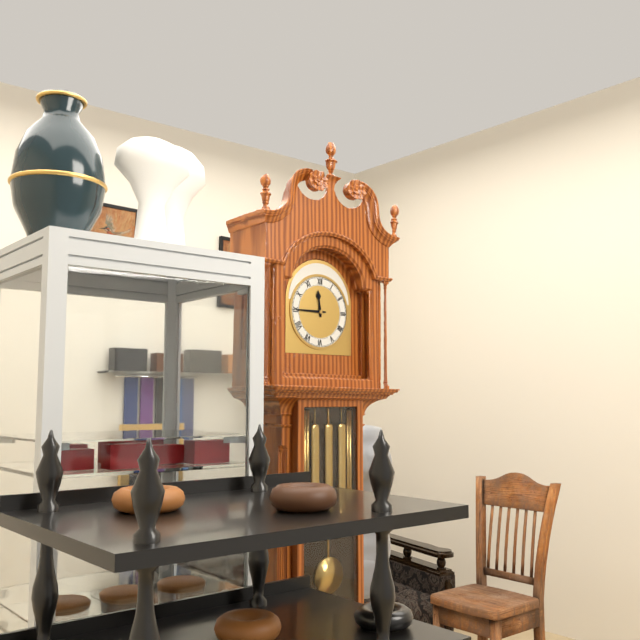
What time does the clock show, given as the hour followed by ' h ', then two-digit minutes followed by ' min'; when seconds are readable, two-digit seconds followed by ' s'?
11 h 45 min
